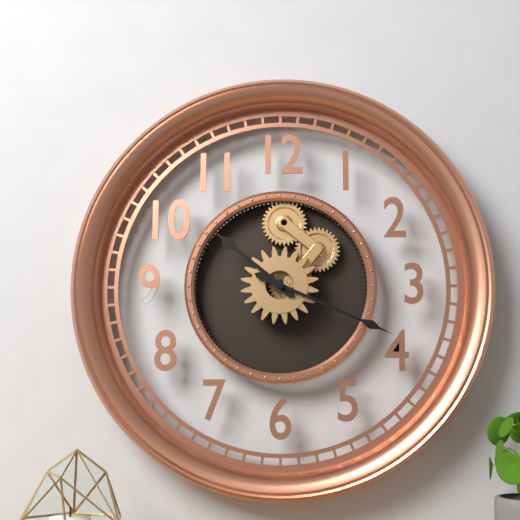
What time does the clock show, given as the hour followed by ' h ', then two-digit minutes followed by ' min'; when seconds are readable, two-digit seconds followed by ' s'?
10 h 19 min
